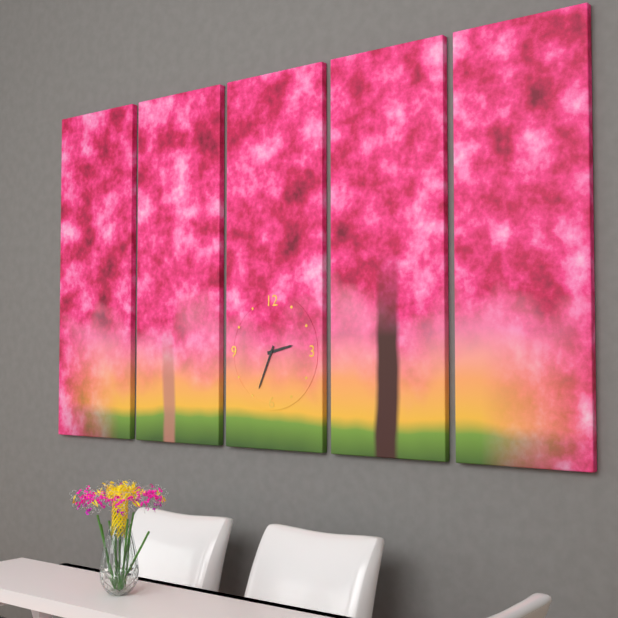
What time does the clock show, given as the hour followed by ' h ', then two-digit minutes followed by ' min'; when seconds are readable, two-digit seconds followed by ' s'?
2 h 34 min
